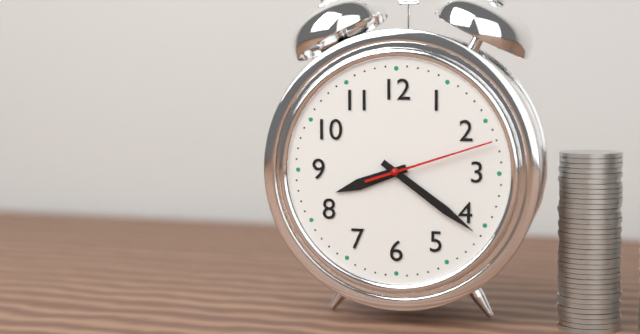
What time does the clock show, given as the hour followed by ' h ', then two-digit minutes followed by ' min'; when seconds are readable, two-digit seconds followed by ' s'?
8 h 21 min 12 s
